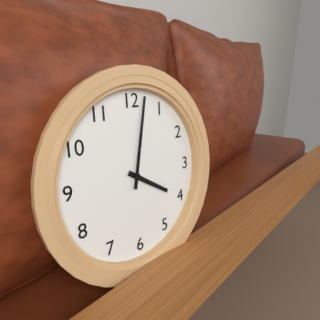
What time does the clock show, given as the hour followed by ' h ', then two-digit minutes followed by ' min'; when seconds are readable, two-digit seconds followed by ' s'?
4 h 02 min
